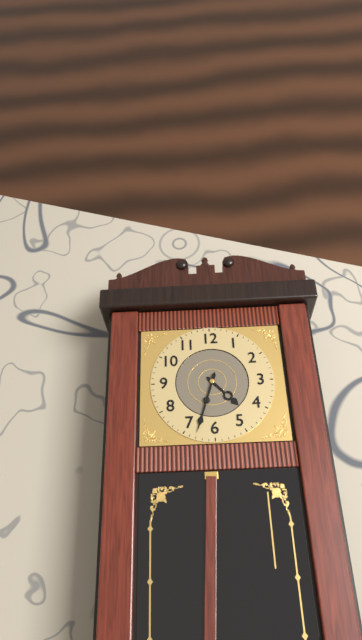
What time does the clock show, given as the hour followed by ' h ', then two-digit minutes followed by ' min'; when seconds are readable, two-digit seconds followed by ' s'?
4 h 33 min
